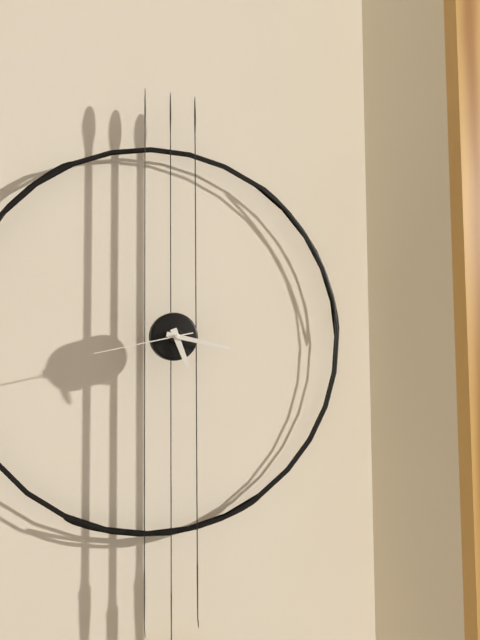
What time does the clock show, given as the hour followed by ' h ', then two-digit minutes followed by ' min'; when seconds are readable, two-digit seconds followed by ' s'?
5 h 17 min 43 s
